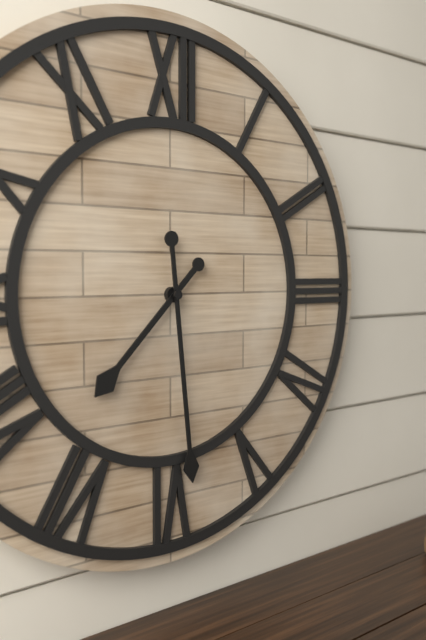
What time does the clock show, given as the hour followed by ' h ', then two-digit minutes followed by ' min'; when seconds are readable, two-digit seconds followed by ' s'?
7 h 29 min
